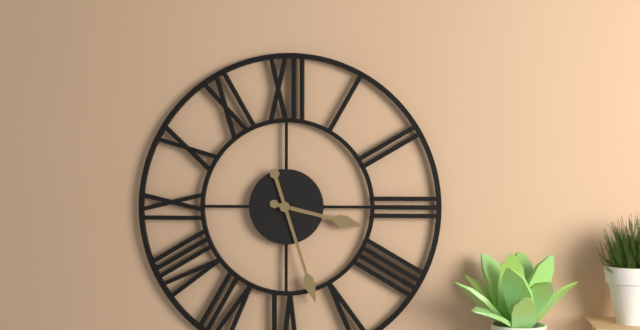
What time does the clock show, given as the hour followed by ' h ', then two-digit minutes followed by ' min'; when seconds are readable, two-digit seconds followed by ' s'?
3 h 27 min
